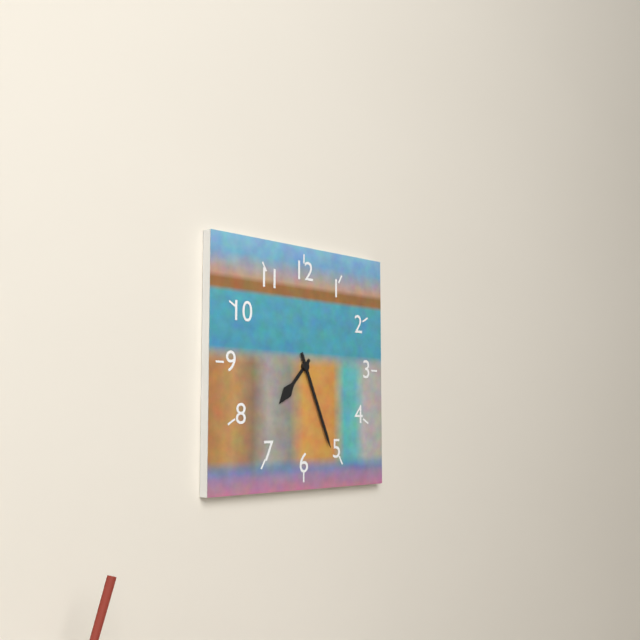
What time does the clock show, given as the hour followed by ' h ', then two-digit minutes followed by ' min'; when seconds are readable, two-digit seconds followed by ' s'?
7 h 26 min
